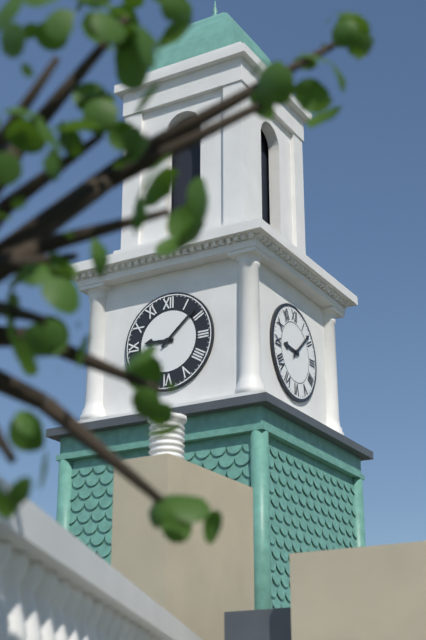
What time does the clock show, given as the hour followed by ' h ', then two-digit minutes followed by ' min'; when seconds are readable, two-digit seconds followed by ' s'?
9 h 08 min
